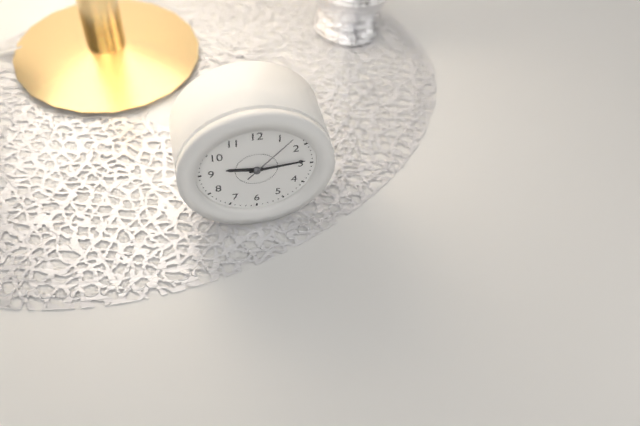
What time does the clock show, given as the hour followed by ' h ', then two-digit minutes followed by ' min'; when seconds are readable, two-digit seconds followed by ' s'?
9 h 14 min 07 s
